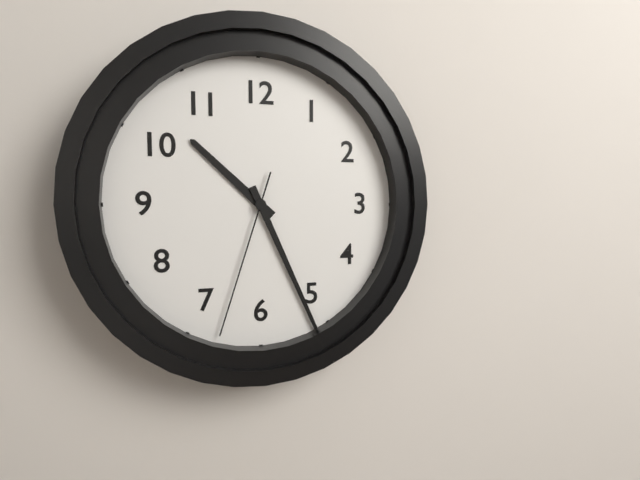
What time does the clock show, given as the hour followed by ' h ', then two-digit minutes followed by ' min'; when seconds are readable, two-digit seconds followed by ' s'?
10 h 26 min 33 s
